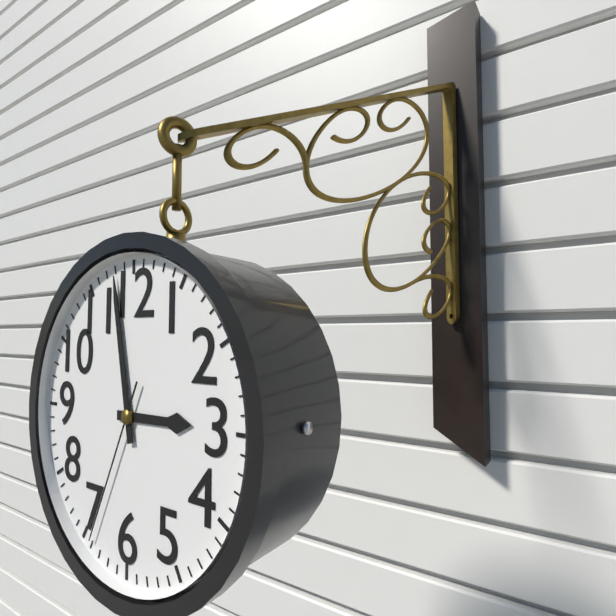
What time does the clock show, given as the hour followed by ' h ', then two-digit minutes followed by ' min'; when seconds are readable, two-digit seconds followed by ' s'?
2 h 58 min 34 s
